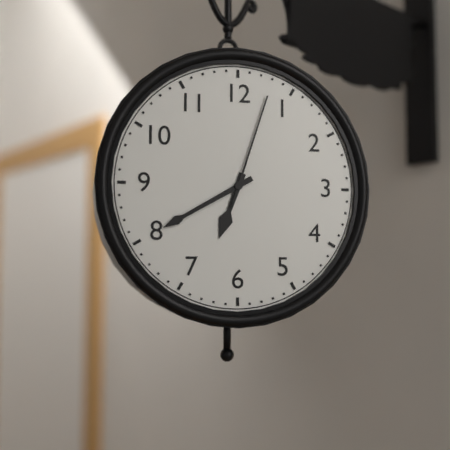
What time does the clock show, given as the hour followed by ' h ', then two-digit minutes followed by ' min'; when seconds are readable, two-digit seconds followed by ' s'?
6 h 40 min 03 s
